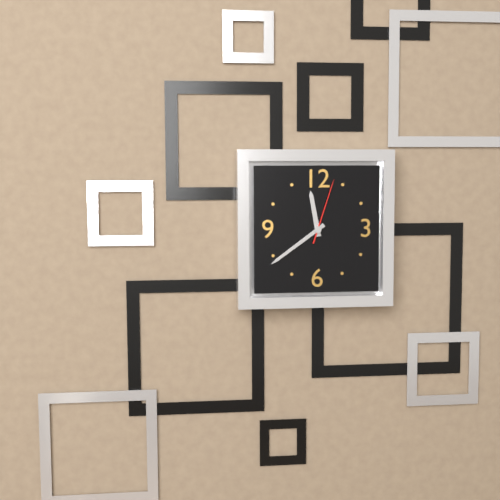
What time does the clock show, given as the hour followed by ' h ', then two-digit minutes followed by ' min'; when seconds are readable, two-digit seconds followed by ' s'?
11 h 39 min 03 s
